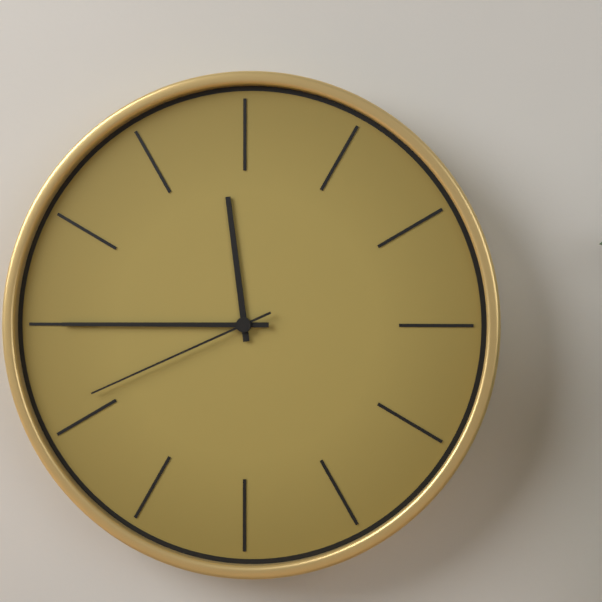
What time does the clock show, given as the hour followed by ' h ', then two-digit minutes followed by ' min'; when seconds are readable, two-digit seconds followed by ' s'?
11 h 45 min 41 s
